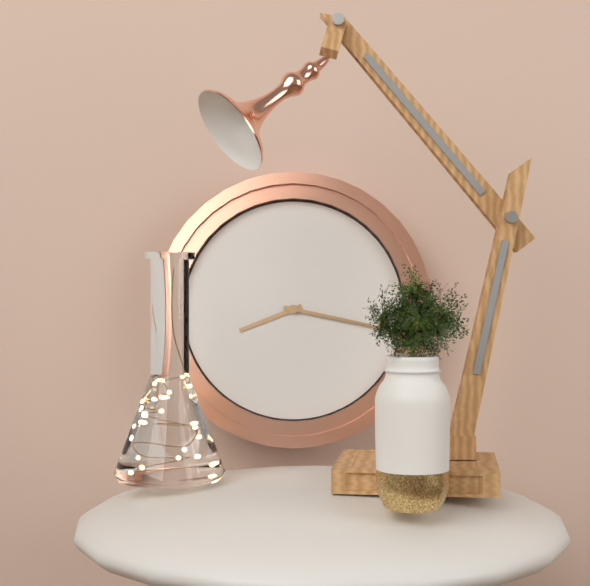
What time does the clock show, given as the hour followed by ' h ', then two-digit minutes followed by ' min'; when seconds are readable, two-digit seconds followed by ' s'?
8 h 17 min
